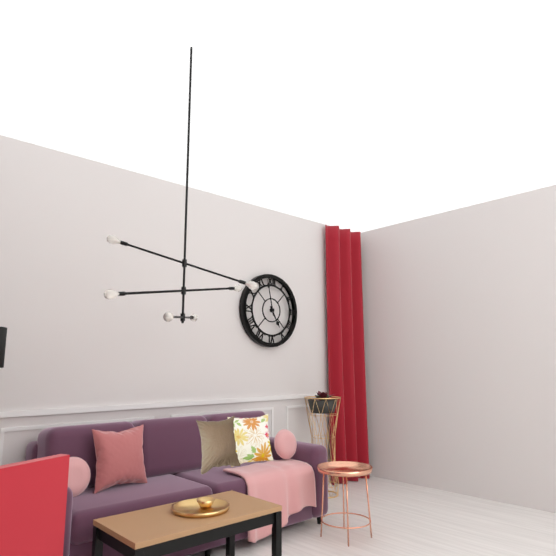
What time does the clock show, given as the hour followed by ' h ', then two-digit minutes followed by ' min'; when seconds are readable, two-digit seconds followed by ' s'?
4 h 58 min
